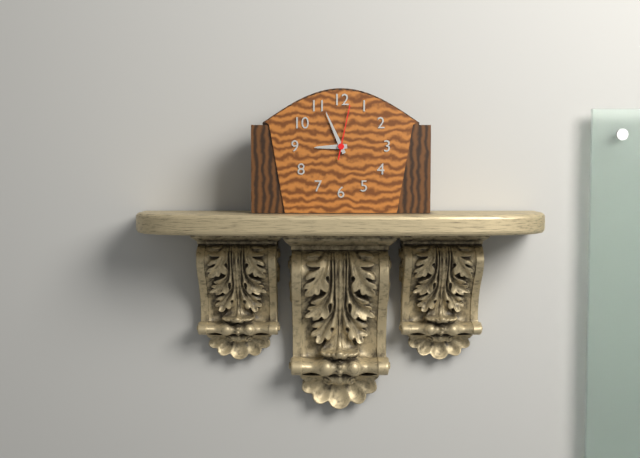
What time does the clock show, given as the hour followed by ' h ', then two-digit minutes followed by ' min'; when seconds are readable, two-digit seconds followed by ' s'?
8 h 56 min 02 s
